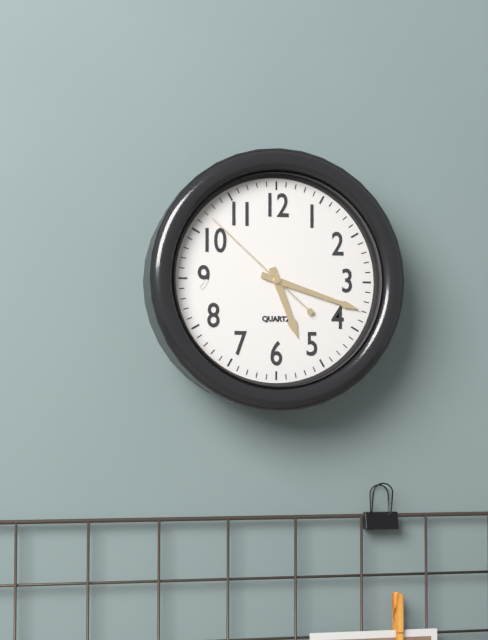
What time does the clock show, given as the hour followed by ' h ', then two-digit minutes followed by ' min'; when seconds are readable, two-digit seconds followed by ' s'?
5 h 18 min 52 s
